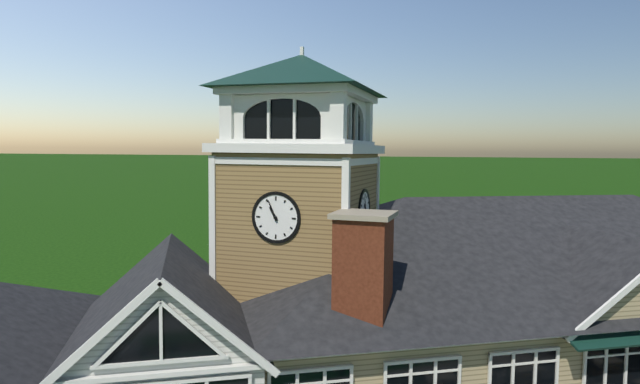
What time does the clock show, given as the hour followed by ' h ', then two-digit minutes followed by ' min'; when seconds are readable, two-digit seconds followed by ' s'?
10 h 56 min
